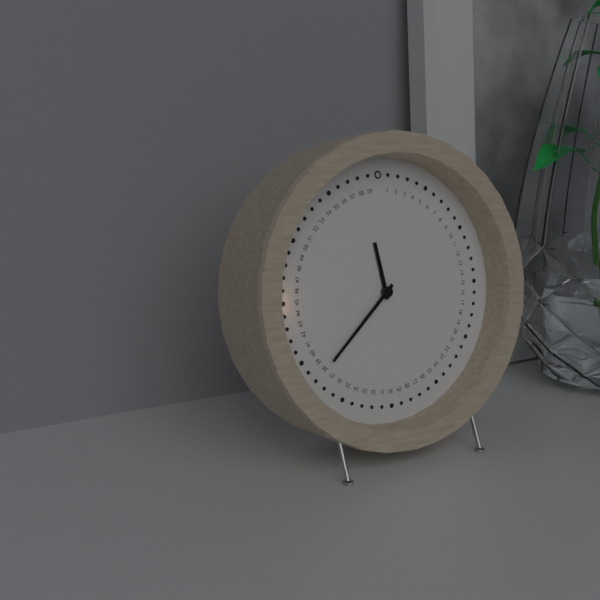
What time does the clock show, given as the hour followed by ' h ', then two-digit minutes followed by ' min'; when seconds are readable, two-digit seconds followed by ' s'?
11 h 38 min
